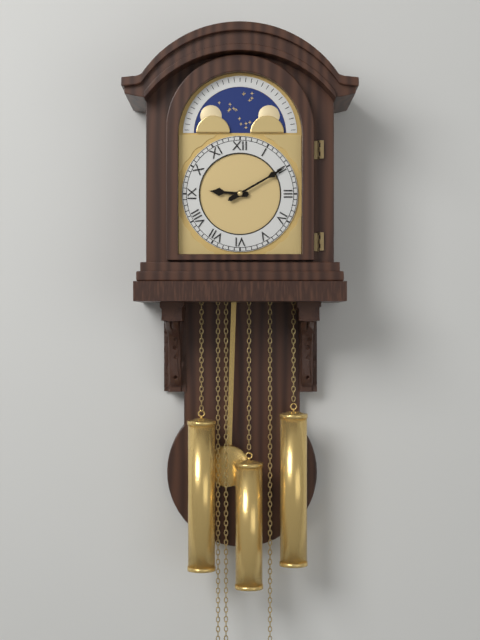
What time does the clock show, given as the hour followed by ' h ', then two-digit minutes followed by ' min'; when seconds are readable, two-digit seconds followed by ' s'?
9 h 10 min
